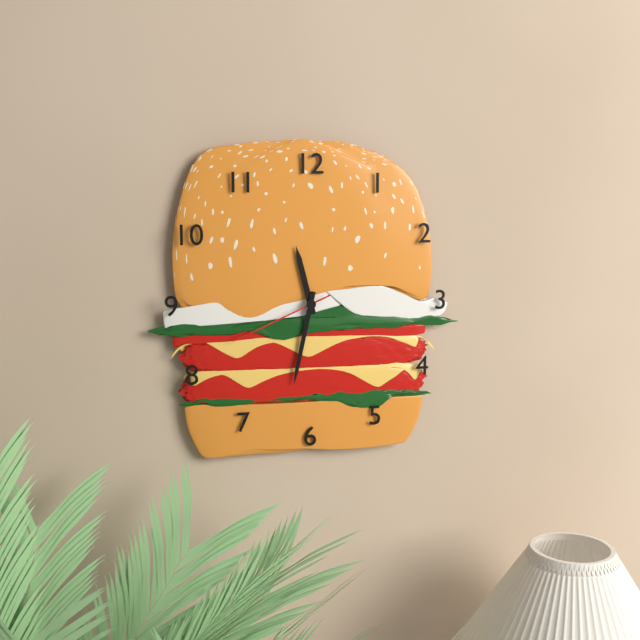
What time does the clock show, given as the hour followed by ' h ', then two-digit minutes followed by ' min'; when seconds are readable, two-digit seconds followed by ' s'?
11 h 32 min 41 s
